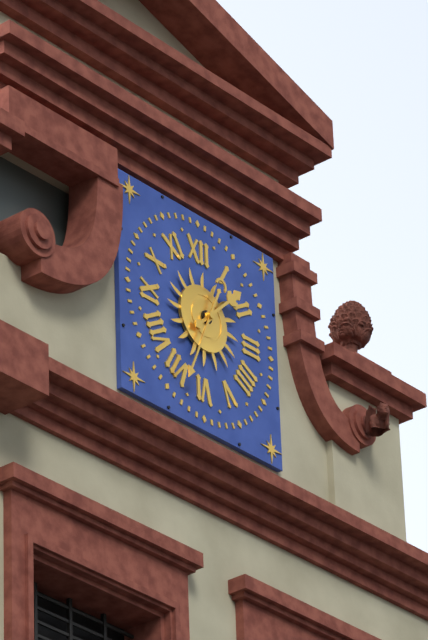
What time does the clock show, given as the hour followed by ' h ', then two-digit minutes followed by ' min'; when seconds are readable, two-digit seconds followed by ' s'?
1 h 34 min
